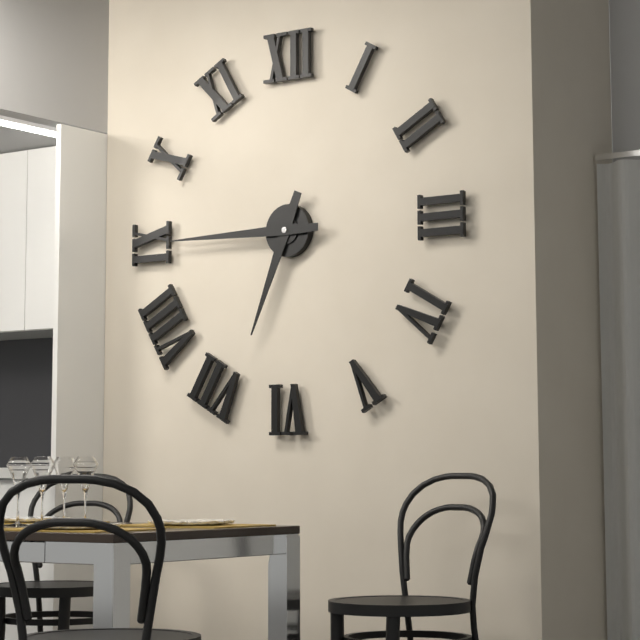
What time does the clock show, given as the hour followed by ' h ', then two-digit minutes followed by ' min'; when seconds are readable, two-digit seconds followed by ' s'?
6 h 45 min
